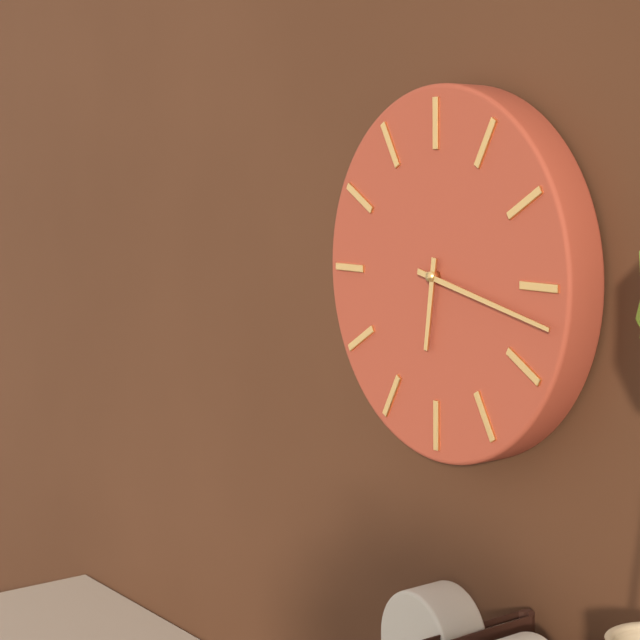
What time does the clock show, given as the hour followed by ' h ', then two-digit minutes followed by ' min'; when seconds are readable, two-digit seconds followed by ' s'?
6 h 17 min
